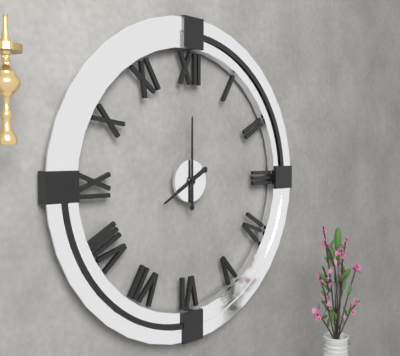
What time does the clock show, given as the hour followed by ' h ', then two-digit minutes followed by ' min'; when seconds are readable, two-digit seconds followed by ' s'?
8 h 00 min
